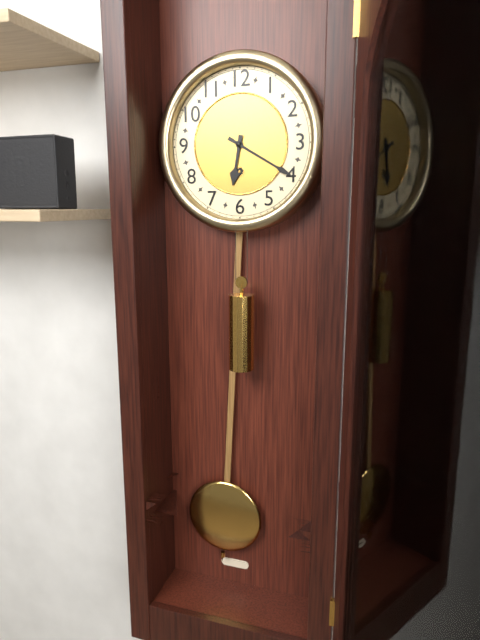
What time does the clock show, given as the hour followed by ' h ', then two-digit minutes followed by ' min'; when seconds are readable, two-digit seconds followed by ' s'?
6 h 20 min
